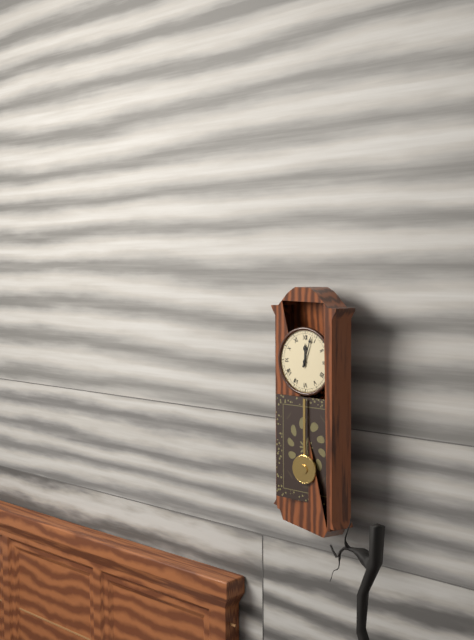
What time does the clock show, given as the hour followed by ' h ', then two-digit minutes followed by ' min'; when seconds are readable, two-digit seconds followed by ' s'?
12 h 03 min
